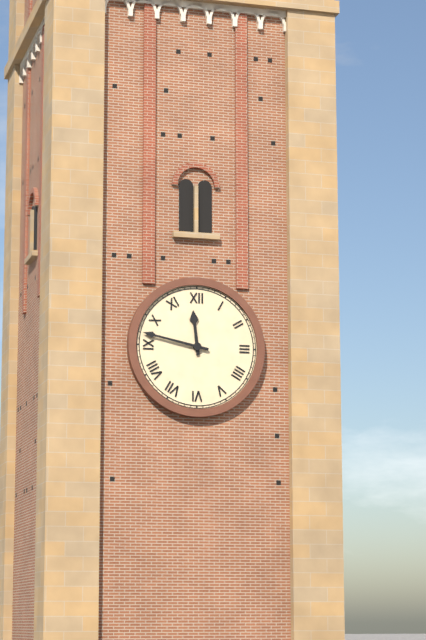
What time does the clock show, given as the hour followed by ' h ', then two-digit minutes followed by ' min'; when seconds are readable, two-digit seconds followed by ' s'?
11 h 47 min
